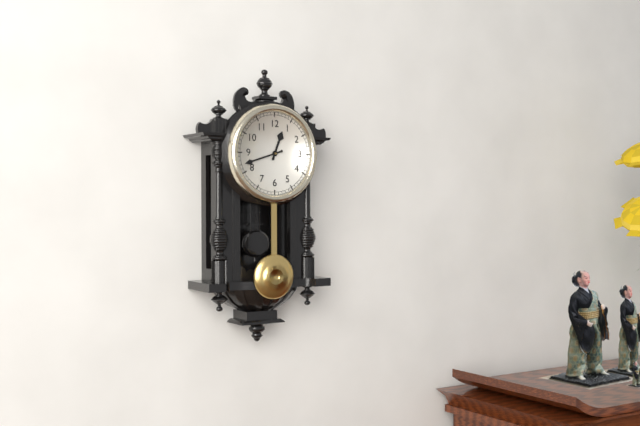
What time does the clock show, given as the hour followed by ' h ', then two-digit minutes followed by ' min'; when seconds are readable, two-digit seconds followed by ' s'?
12 h 42 min
